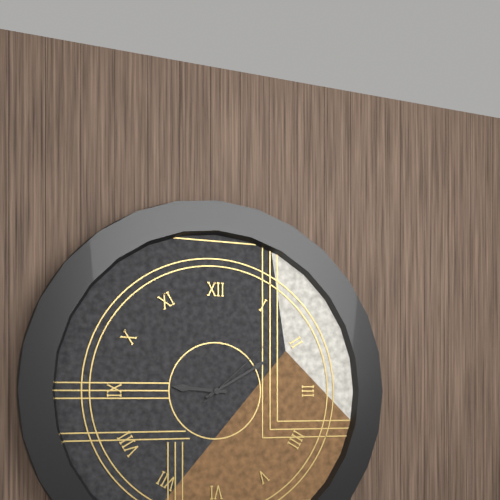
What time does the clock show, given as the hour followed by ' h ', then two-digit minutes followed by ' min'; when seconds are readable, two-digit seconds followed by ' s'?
9 h 10 min 08 s
